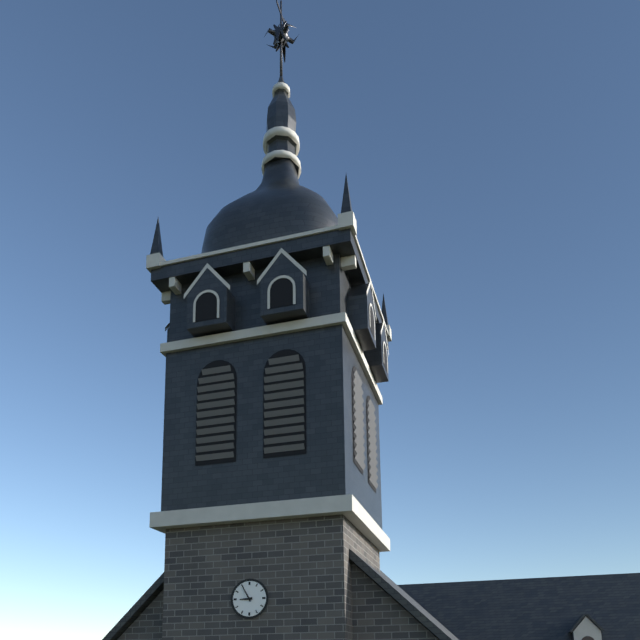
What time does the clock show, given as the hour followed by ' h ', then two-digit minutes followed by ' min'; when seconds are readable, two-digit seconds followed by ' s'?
8 h 55 min
